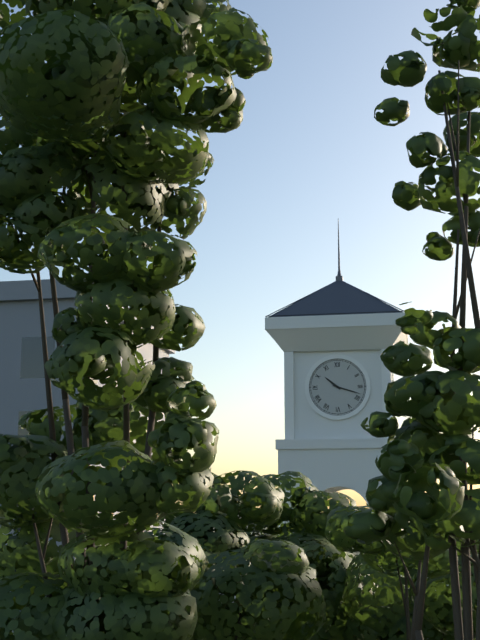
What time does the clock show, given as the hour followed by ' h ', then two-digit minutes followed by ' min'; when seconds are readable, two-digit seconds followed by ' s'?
10 h 18 min
